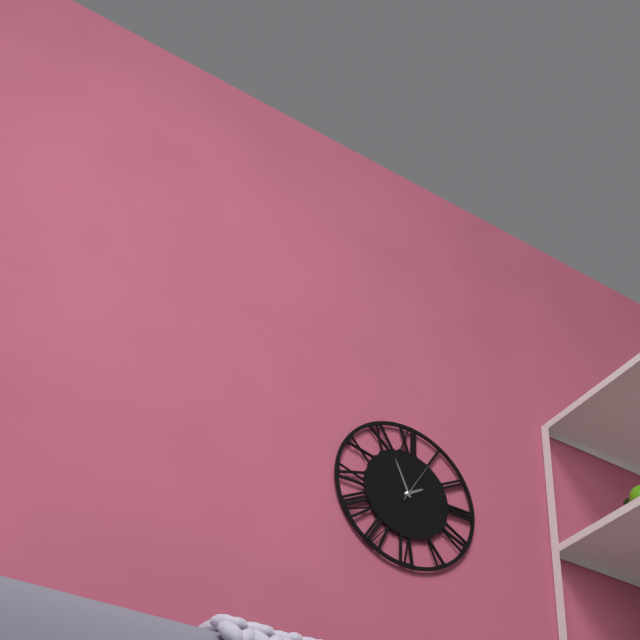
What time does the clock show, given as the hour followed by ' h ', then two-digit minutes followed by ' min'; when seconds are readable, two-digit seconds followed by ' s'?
1 h 56 min
